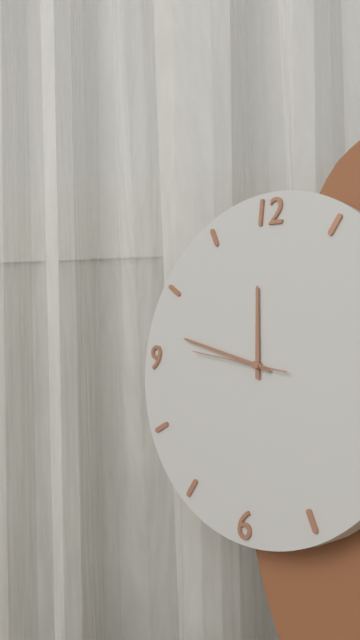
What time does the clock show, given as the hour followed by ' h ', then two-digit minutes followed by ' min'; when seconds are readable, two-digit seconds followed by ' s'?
11 h 47 min 46 s
